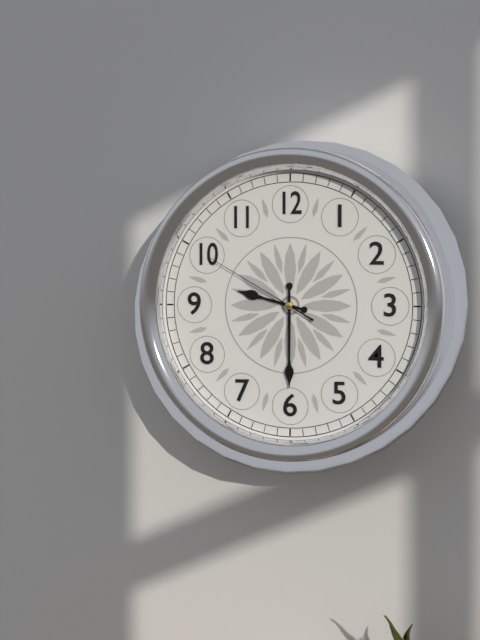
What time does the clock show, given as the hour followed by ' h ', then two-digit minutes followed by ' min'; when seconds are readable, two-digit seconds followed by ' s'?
9 h 30 min 50 s
